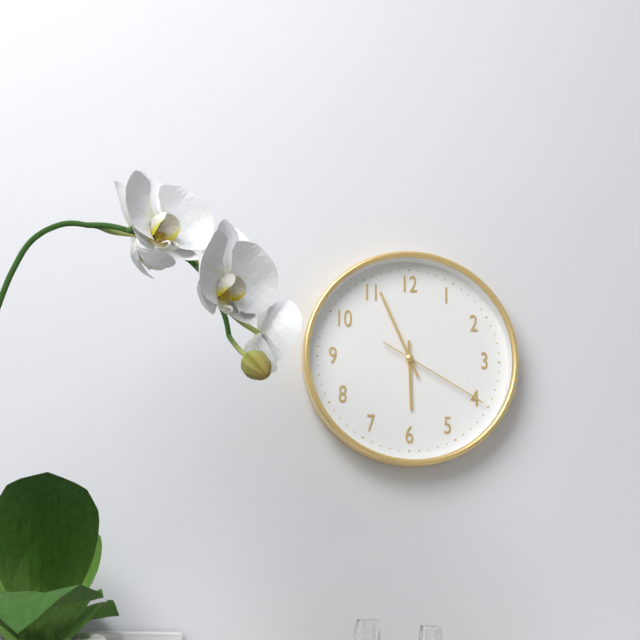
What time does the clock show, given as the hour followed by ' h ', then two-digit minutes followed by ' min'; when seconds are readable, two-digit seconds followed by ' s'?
5 h 56 min 20 s
